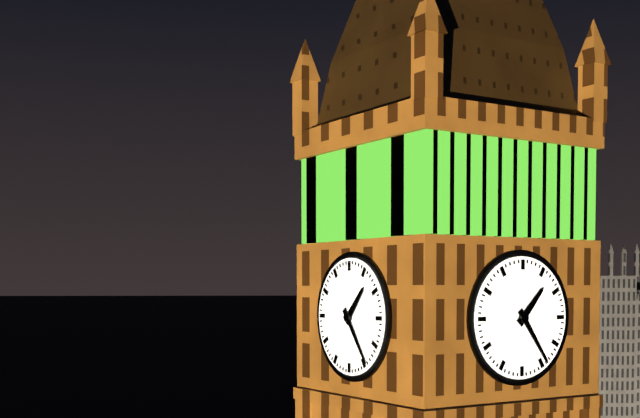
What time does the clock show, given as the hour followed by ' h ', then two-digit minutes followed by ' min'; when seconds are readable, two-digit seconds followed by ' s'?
1 h 24 min
